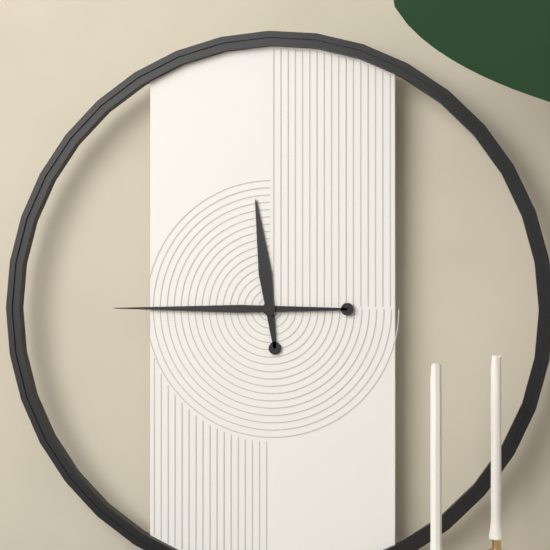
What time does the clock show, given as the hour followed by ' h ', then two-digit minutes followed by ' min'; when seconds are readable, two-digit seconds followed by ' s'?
11 h 45 min
